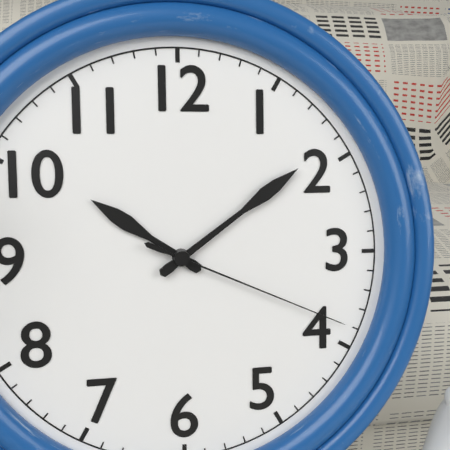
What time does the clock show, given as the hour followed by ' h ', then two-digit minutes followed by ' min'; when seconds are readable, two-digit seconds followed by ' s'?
10 h 09 min 19 s
